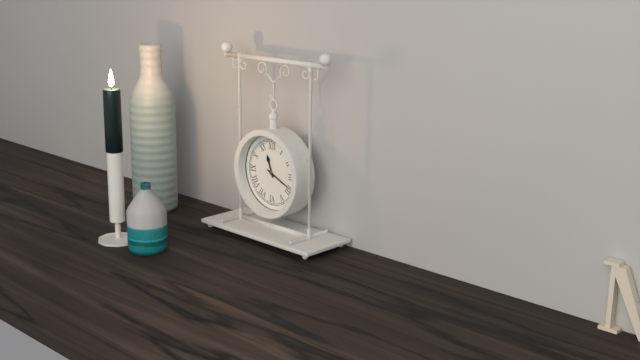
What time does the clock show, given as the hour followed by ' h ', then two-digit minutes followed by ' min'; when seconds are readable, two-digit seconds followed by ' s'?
11 h 19 min
